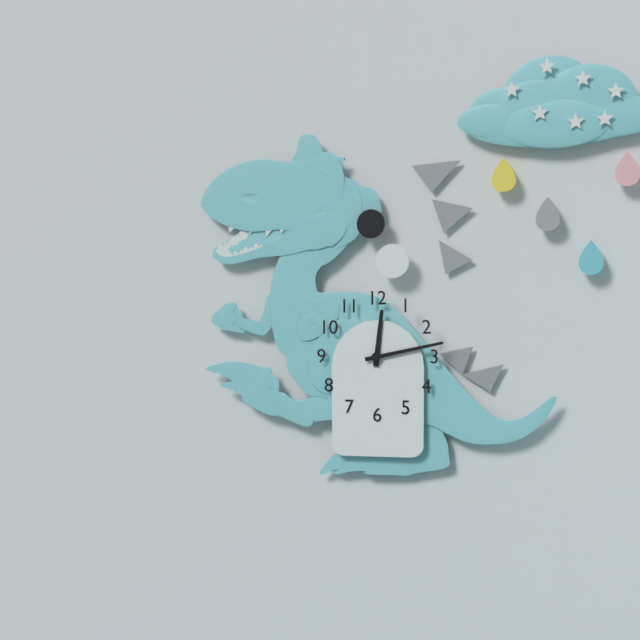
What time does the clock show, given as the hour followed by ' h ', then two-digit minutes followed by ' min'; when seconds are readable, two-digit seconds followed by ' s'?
12 h 13 min
